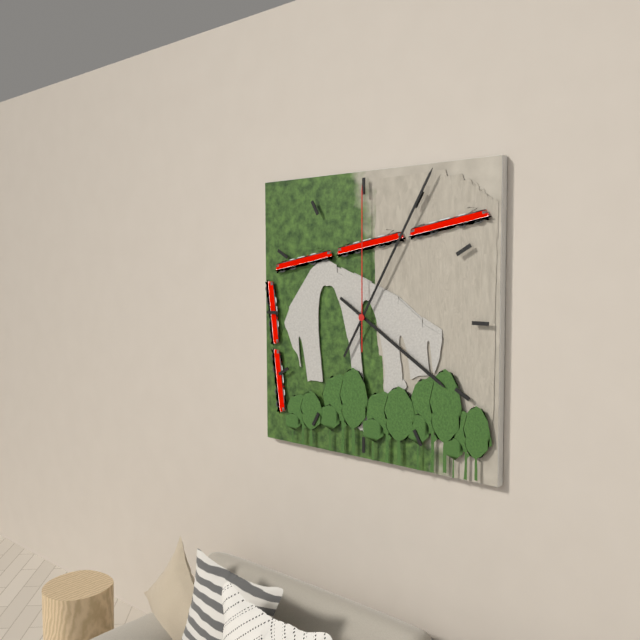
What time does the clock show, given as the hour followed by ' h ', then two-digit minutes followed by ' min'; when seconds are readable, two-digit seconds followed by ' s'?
4 h 05 min 00 s
